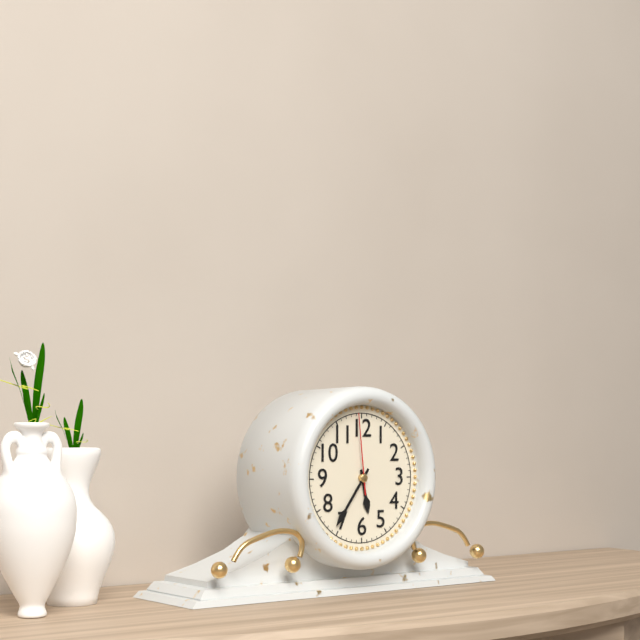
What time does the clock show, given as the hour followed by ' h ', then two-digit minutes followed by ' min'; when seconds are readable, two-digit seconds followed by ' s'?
5 h 36 min 59 s
